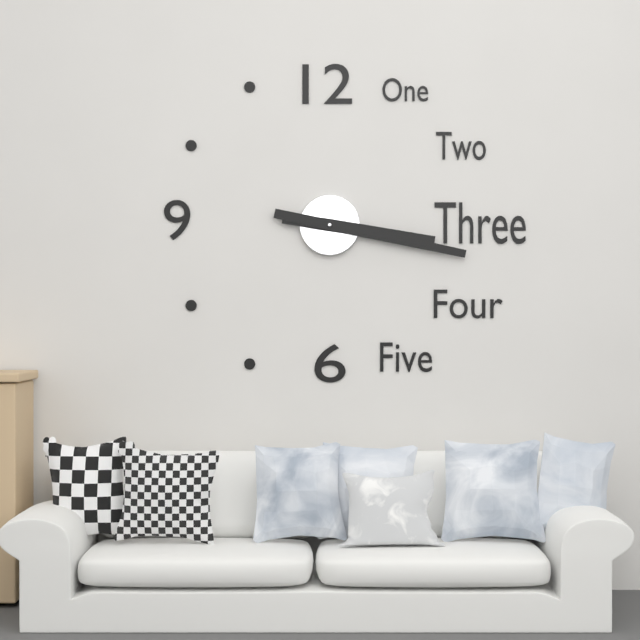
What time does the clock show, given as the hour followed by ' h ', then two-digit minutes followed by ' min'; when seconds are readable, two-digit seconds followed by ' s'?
3 h 17 min
